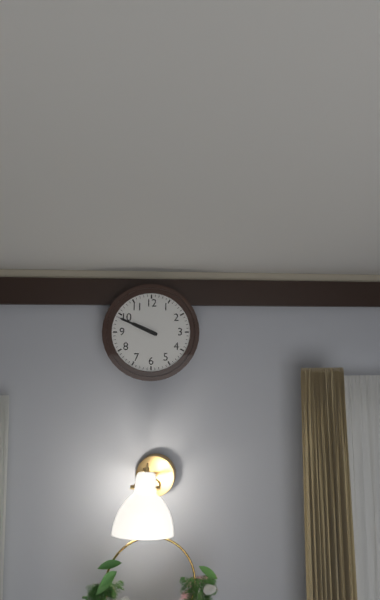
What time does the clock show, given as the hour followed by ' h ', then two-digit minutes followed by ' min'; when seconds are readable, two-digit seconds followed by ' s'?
9 h 49 min
